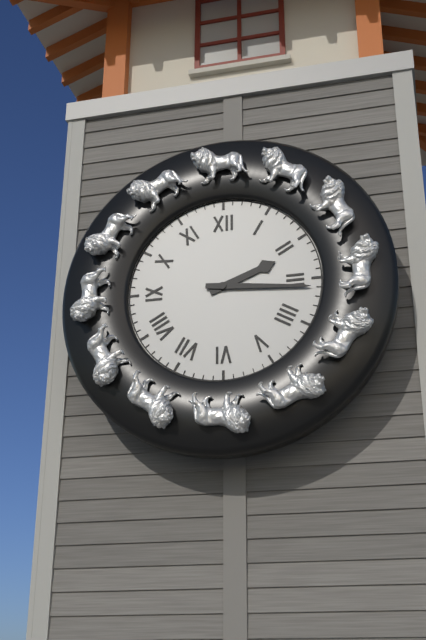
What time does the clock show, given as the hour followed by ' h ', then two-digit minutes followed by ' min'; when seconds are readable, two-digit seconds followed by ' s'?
2 h 16 min
